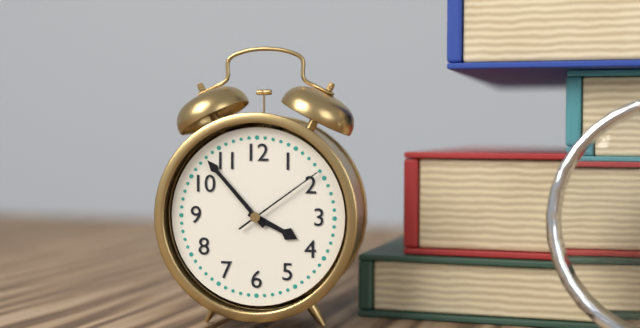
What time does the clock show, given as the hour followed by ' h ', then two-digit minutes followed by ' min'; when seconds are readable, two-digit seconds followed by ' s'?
3 h 53 min 09 s
